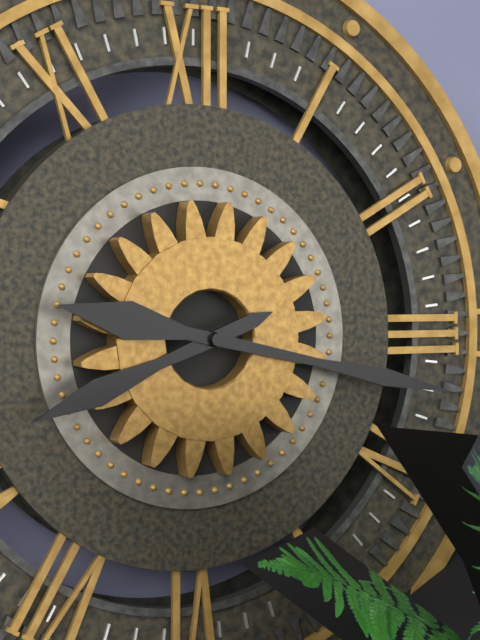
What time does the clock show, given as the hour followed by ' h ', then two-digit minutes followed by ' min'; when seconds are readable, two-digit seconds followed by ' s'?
8 h 17 min
